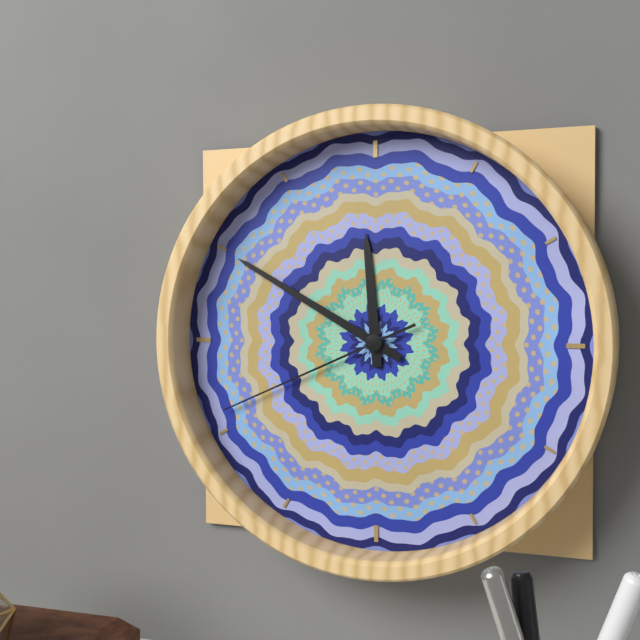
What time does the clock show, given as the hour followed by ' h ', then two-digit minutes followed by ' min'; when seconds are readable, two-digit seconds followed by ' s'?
11 h 50 min 41 s
